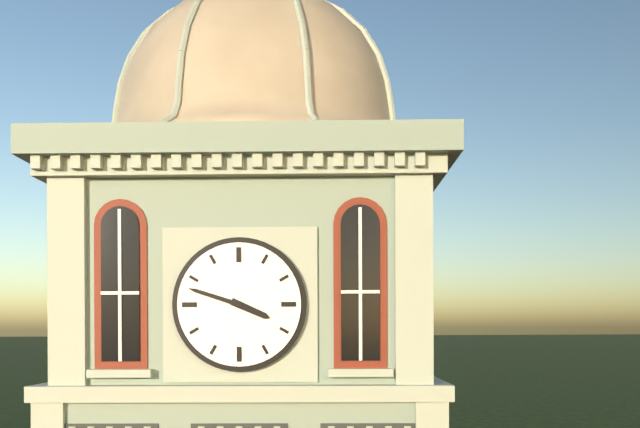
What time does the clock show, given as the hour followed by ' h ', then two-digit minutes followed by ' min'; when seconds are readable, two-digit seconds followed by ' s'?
3 h 48 min
